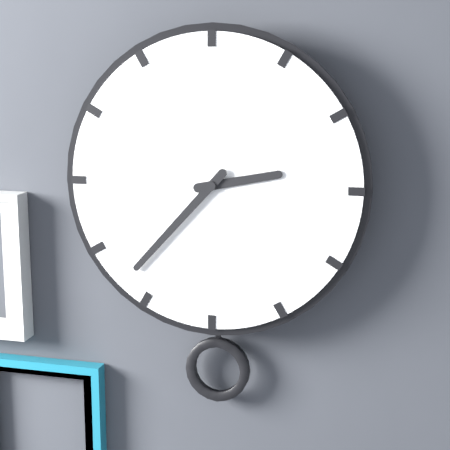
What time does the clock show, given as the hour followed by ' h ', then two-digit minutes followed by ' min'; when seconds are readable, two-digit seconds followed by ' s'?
2 h 37 min
